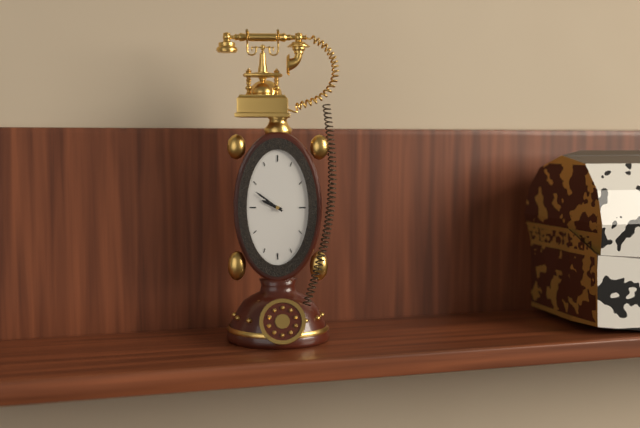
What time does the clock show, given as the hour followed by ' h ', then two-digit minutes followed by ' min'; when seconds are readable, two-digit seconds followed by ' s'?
9 h 51 min
